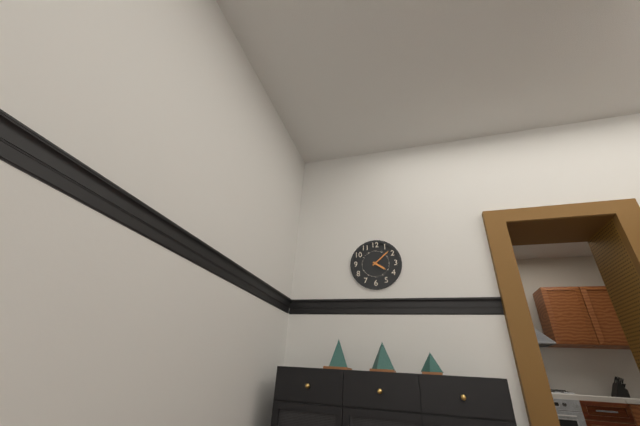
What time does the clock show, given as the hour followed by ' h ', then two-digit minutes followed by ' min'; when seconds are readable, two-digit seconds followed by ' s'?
4 h 08 min
